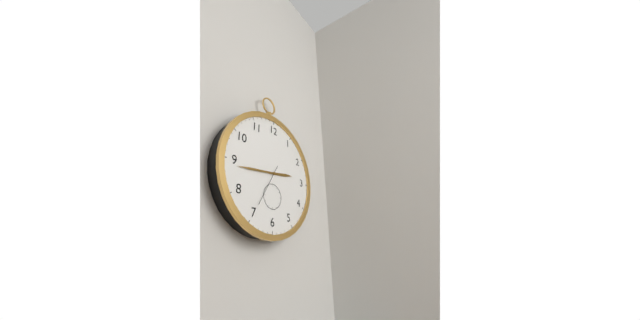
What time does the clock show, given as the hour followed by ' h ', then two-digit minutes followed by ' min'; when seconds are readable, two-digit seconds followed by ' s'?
2 h 44 min
